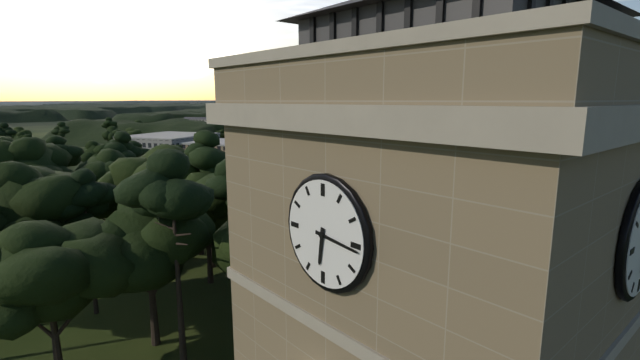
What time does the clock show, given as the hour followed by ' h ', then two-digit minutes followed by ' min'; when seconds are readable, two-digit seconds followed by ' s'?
6 h 16 min
